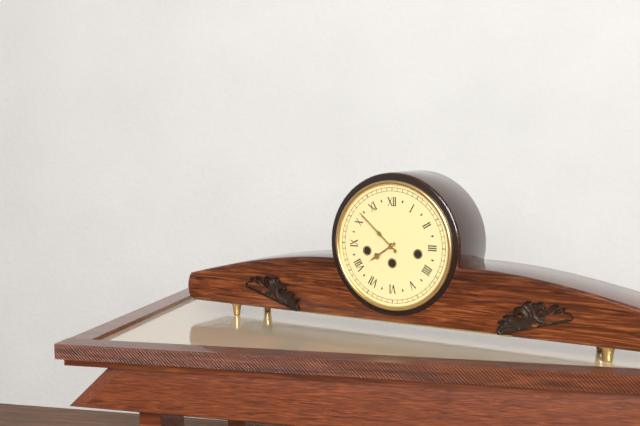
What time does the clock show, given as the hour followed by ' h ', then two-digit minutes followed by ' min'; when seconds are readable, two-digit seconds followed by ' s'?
7 h 52 min
